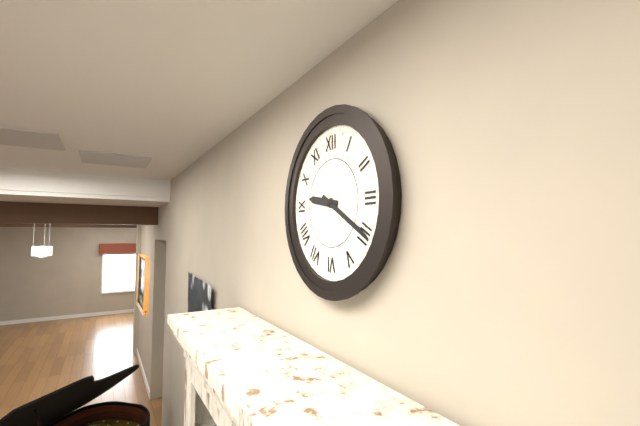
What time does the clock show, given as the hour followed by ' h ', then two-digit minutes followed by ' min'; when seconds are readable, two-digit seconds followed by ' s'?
9 h 20 min
